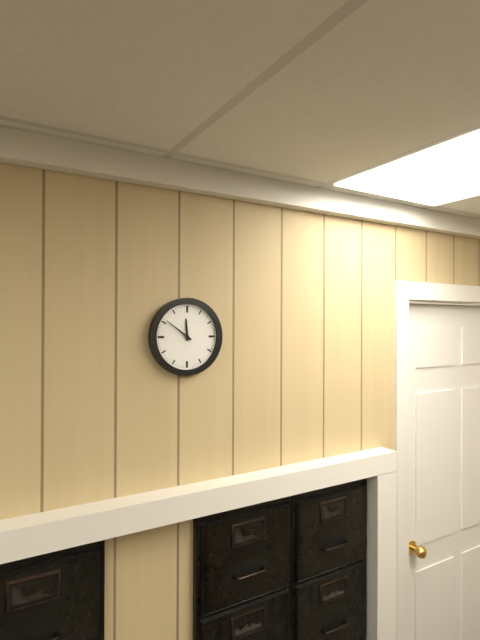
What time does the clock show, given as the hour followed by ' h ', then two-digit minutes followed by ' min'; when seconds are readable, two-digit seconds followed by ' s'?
11 h 51 min
